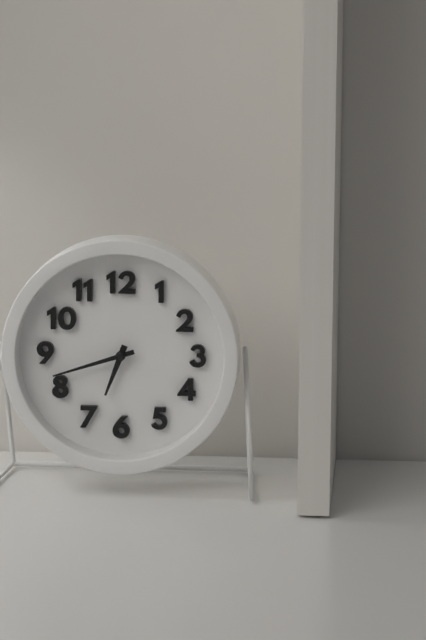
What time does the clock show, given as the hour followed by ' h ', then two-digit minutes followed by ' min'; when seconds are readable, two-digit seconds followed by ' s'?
6 h 42 min
